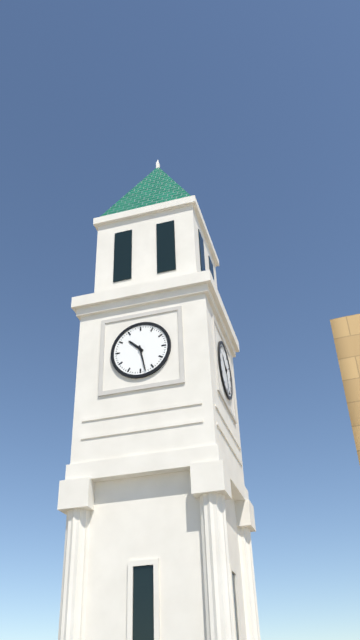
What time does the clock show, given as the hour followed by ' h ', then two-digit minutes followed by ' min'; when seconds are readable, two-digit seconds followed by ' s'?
10 h 28 min
